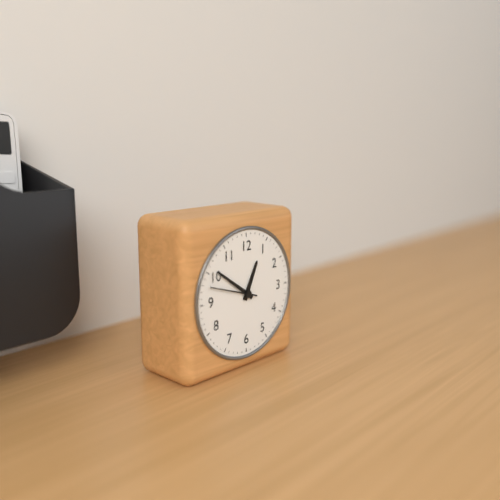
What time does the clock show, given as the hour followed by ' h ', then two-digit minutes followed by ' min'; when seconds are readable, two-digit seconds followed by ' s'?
12 h 51 min
